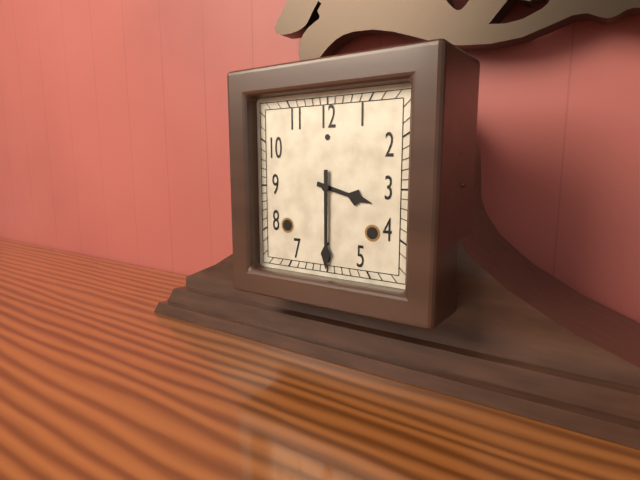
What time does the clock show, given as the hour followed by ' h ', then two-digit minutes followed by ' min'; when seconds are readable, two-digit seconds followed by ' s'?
3 h 30 min
